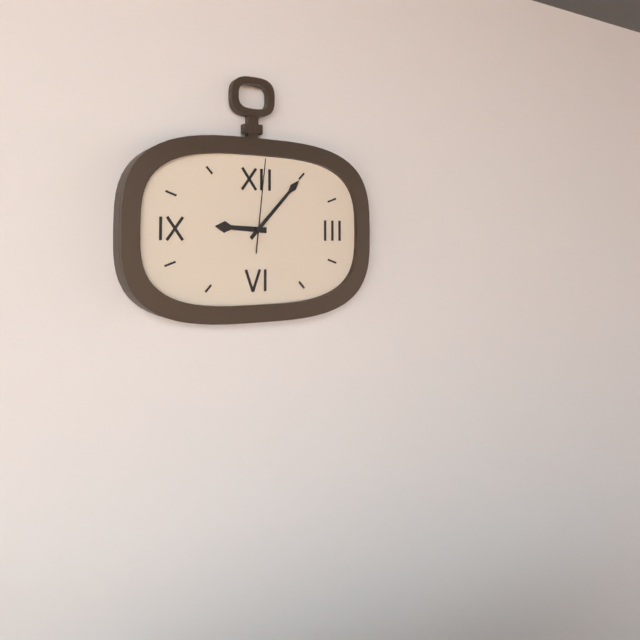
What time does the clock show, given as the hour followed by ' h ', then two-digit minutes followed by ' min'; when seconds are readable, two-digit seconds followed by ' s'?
9 h 07 min 01 s
